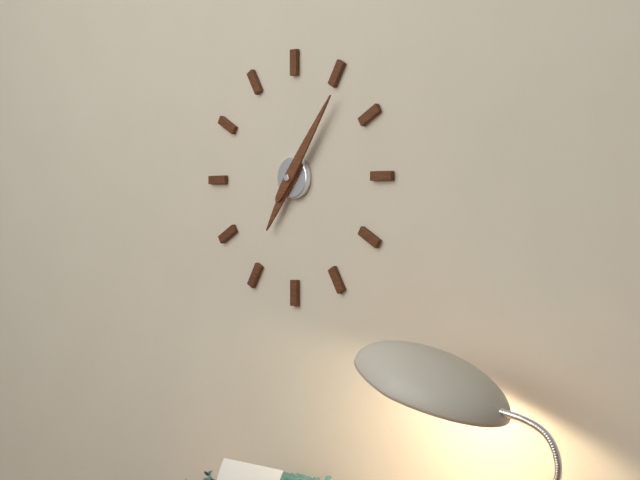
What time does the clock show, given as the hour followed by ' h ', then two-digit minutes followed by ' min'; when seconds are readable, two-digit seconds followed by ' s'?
7 h 06 min
